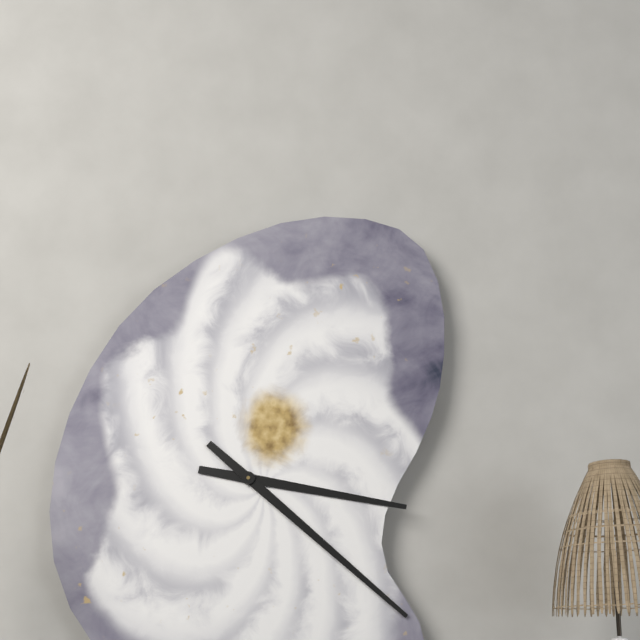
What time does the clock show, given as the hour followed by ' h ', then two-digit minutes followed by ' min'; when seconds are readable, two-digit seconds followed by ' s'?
3 h 22 min
